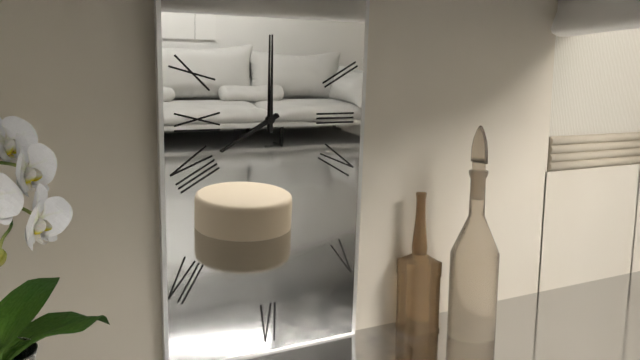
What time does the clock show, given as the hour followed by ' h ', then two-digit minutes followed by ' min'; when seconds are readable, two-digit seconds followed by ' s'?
8 h 00 min
